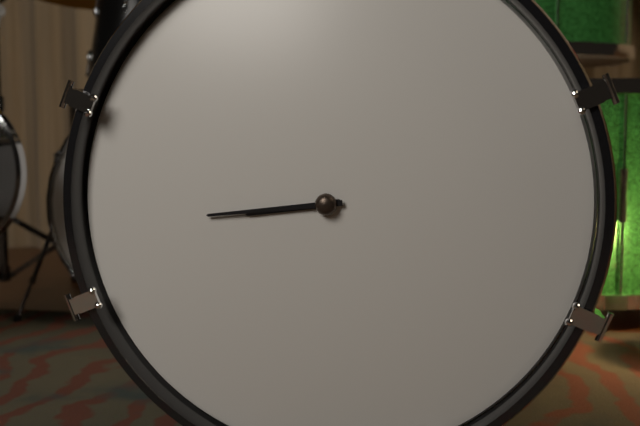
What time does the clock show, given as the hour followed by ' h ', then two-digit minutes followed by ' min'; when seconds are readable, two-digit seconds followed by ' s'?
8 h 44 min
